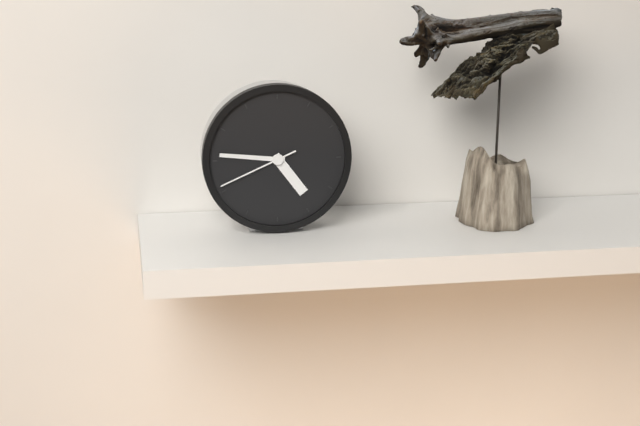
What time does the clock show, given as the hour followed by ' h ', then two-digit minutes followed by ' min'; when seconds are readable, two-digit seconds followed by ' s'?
4 h 46 min 41 s
